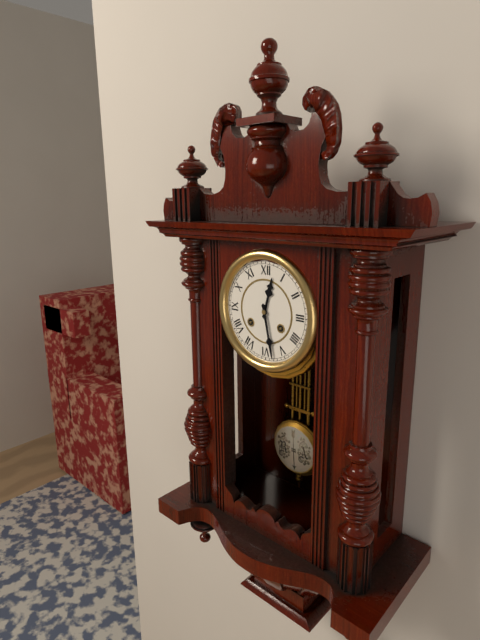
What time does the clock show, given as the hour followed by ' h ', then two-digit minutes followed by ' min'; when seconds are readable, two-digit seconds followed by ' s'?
12 h 28 min
